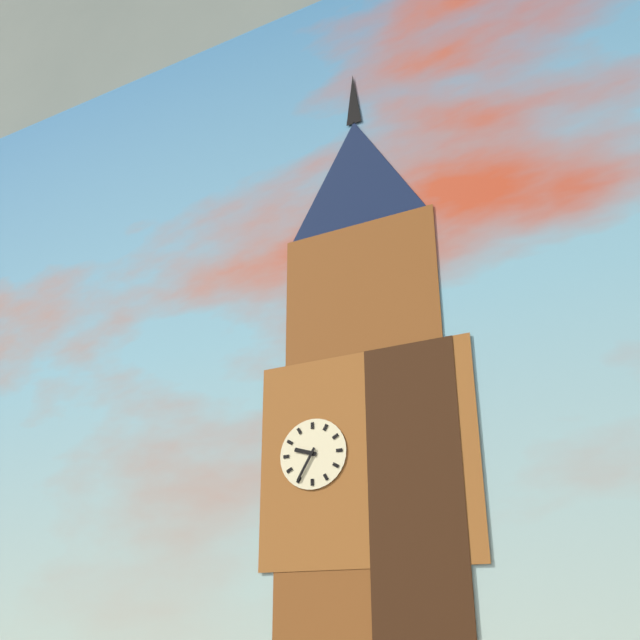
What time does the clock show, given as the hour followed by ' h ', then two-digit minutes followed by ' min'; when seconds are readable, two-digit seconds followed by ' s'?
9 h 35 min
